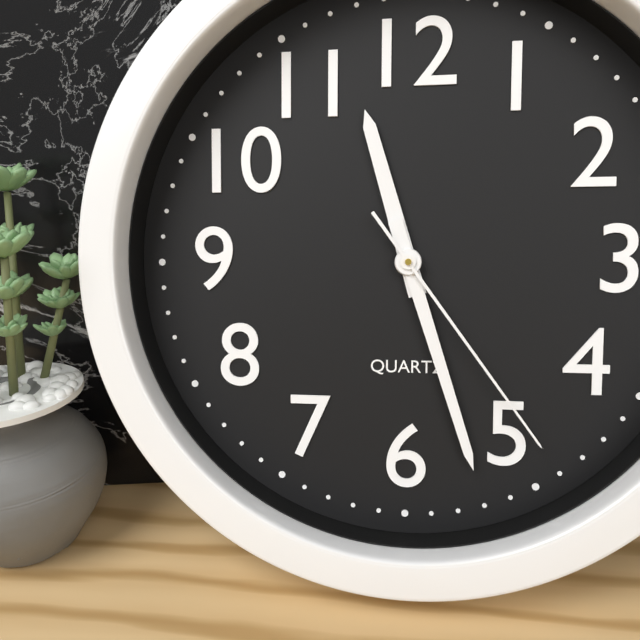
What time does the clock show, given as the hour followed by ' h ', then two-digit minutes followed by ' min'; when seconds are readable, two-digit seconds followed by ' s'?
11 h 27 min 24 s
